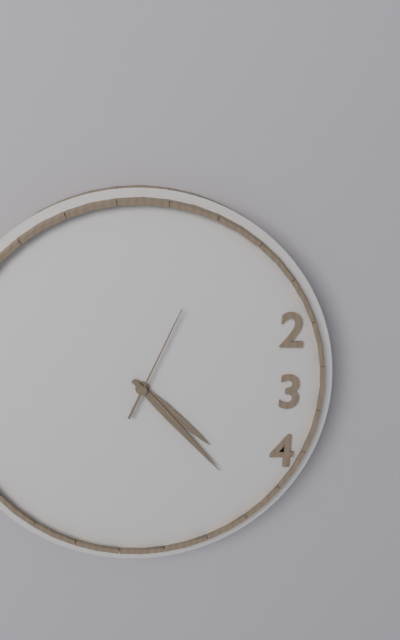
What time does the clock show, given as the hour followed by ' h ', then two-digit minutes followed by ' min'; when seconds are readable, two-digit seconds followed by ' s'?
4 h 23 min 04 s
